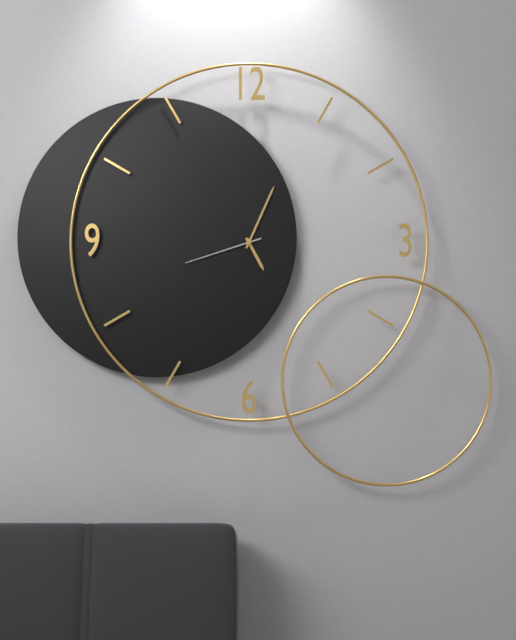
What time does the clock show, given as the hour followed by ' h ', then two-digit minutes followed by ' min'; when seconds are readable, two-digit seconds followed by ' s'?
5 h 04 min 42 s
